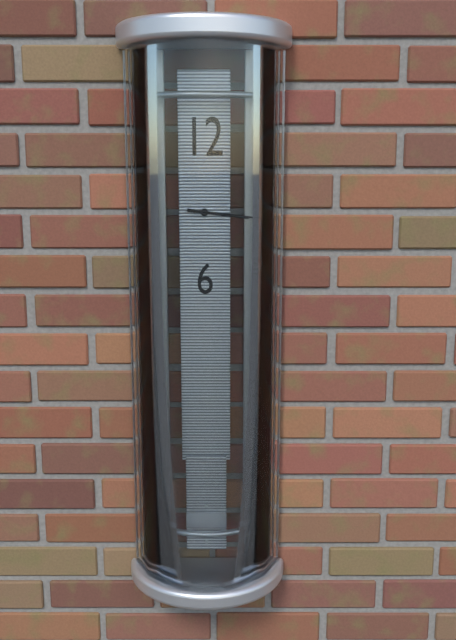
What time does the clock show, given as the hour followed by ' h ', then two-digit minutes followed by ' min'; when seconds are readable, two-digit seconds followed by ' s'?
3 h 16 min
